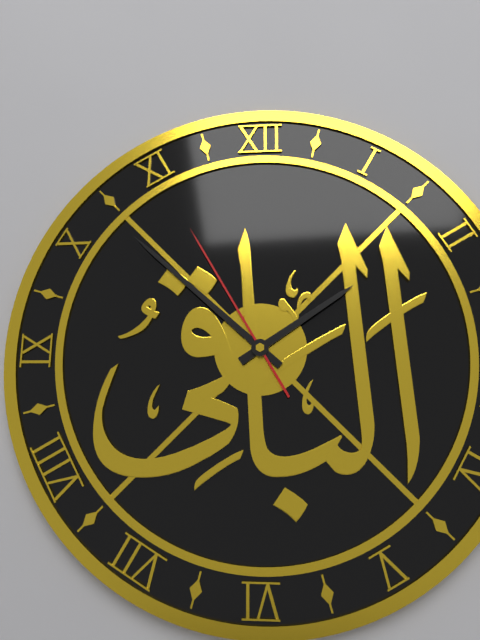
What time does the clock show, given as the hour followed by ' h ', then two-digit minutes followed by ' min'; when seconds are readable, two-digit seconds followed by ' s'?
1 h 52 min 55 s
